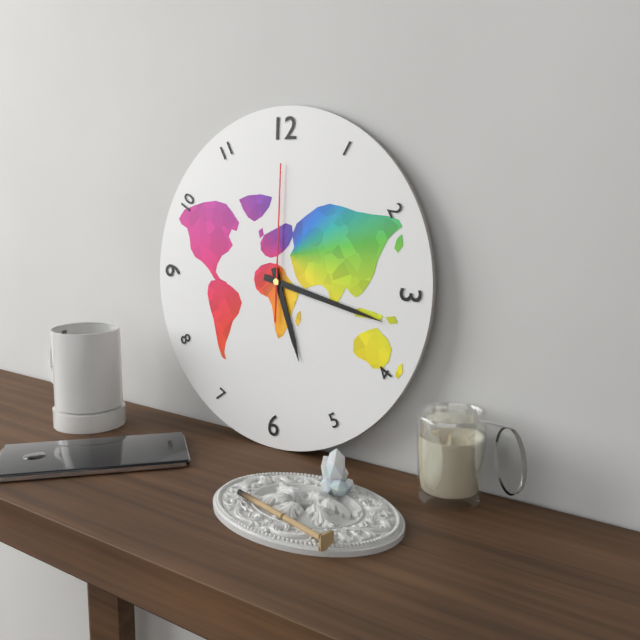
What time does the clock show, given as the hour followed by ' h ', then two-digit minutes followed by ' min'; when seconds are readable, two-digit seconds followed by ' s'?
5 h 17 min 00 s
